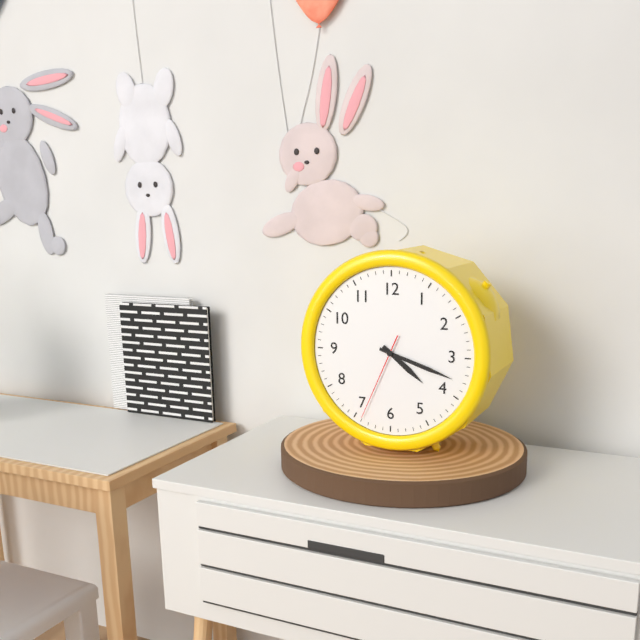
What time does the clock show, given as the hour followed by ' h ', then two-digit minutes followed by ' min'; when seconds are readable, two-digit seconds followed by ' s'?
4 h 18 min 34 s
